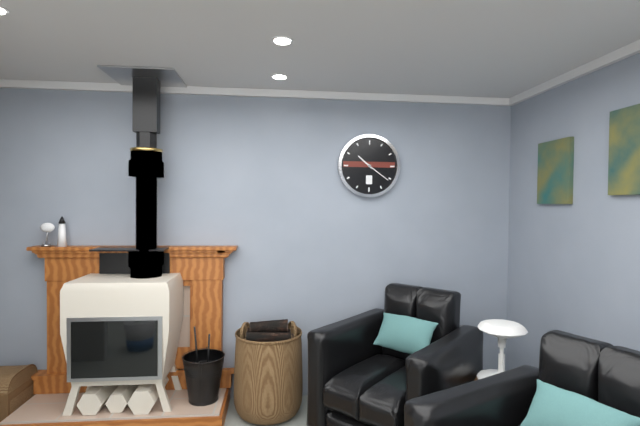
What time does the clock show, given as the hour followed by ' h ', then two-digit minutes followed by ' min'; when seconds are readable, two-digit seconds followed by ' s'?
10 h 21 min
